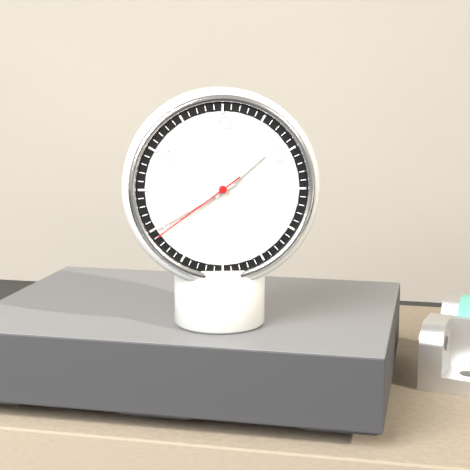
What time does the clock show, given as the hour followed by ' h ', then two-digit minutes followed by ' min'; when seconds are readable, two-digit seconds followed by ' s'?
1 h 40 min 39 s
